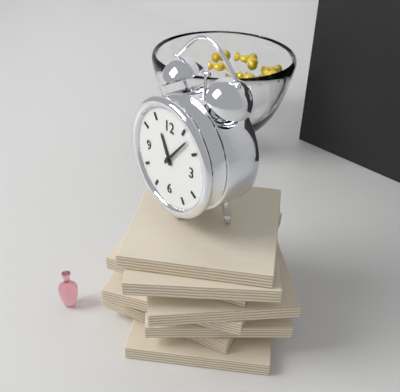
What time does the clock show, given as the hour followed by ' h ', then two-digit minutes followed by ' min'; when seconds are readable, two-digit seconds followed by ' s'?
11 h 07 min
